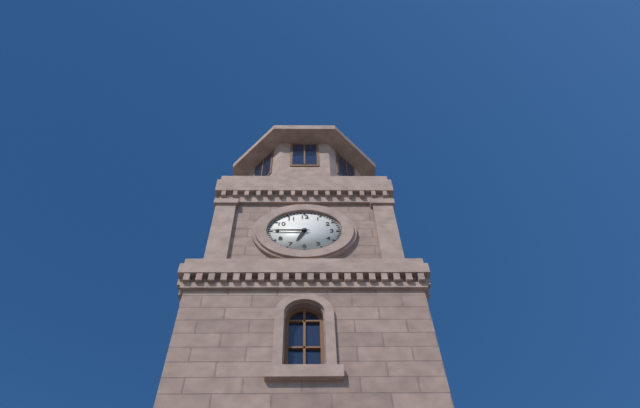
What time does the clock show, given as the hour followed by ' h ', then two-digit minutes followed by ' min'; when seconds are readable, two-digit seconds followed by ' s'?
6 h 45 min
